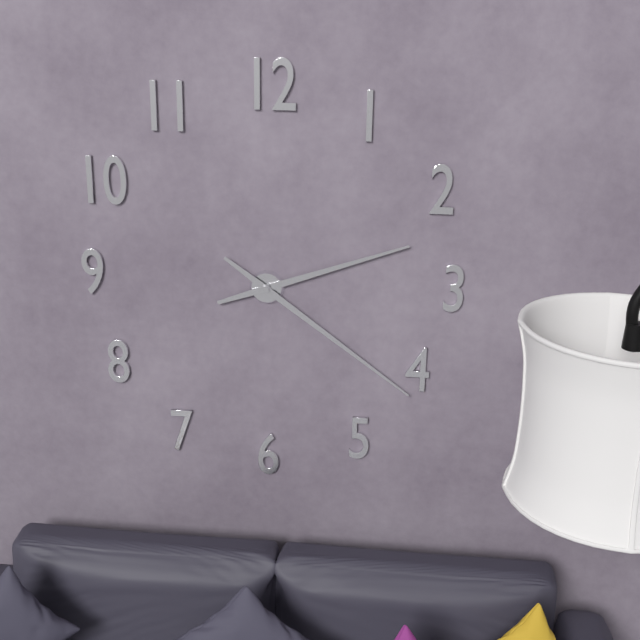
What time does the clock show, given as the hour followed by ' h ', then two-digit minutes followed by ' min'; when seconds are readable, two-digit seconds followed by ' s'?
2 h 21 min
